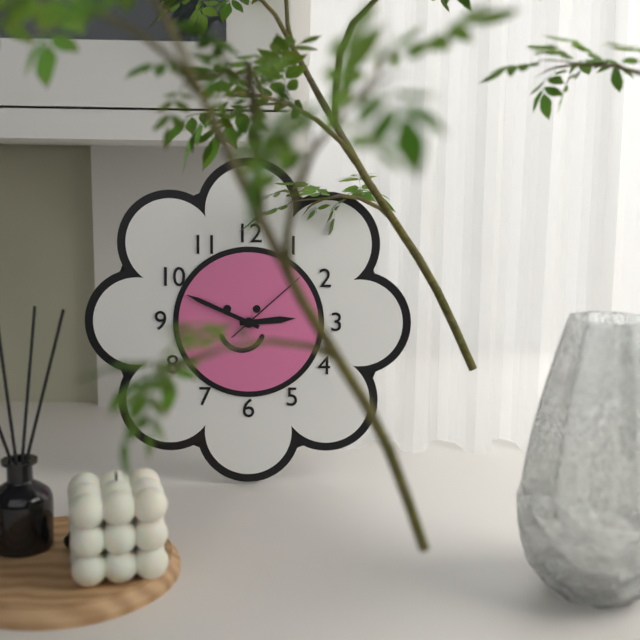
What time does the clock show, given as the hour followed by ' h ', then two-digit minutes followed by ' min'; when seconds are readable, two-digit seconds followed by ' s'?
2 h 49 min 08 s
